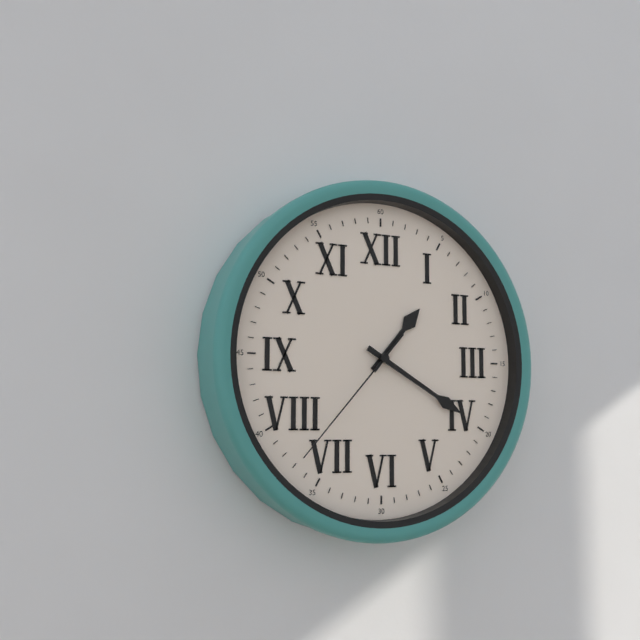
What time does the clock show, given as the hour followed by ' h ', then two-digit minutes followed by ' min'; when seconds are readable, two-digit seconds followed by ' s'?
1 h 20 min 37 s
